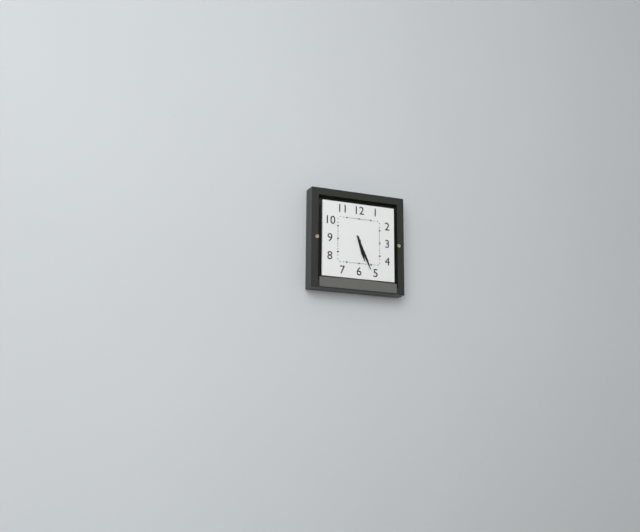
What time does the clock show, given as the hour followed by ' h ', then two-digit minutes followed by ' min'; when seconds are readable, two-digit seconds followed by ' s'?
5 h 26 min
